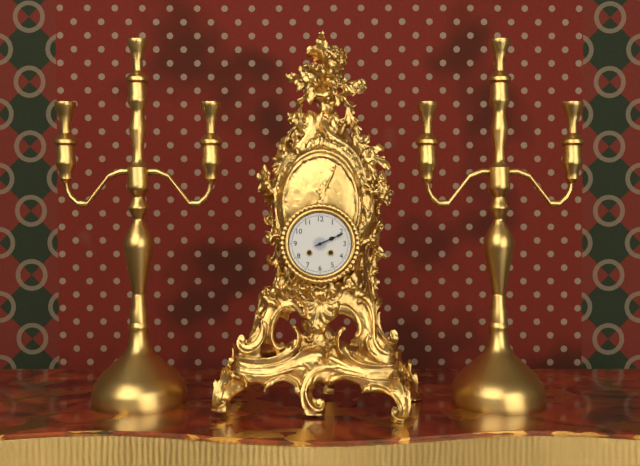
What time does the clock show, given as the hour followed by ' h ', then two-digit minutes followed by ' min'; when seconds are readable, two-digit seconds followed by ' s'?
2 h 11 min
